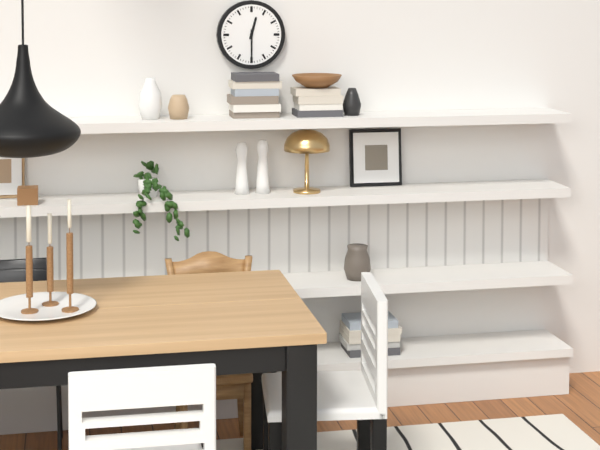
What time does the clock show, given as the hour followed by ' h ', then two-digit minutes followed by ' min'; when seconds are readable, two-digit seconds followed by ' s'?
12 h 30 min
